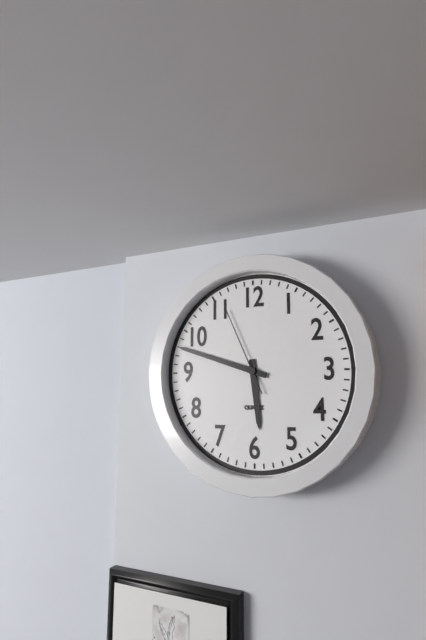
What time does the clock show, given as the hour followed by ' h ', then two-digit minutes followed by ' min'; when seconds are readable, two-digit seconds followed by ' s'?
5 h 48 min 56 s
